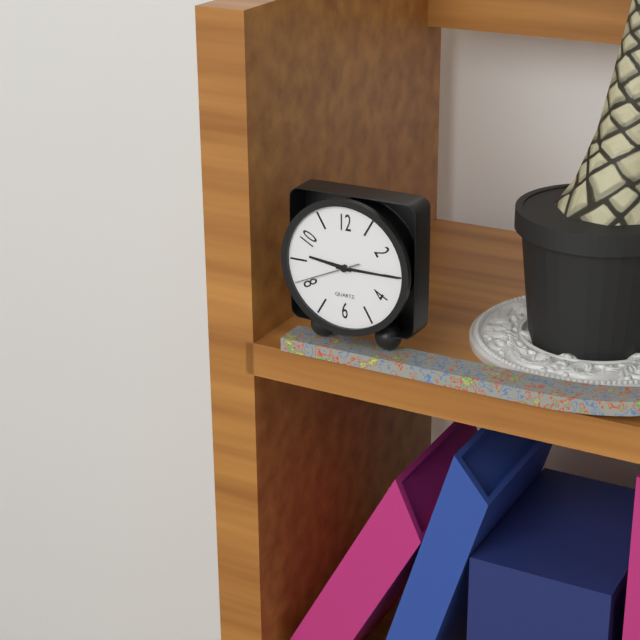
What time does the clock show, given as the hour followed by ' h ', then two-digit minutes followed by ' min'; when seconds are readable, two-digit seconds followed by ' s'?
9 h 15 min 41 s
